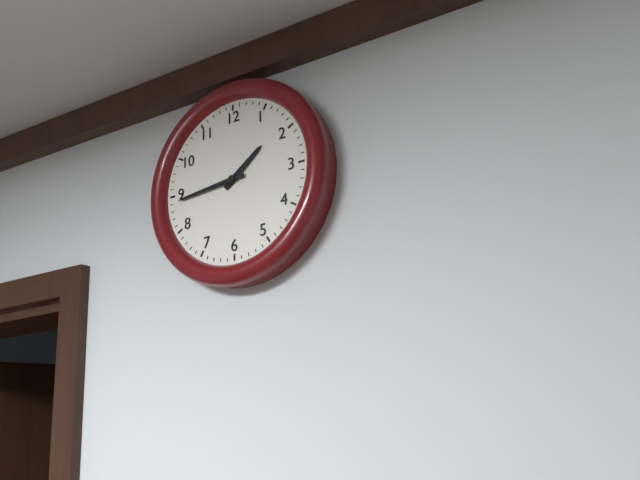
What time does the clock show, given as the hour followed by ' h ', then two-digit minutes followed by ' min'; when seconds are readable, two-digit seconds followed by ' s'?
1 h 44 min
